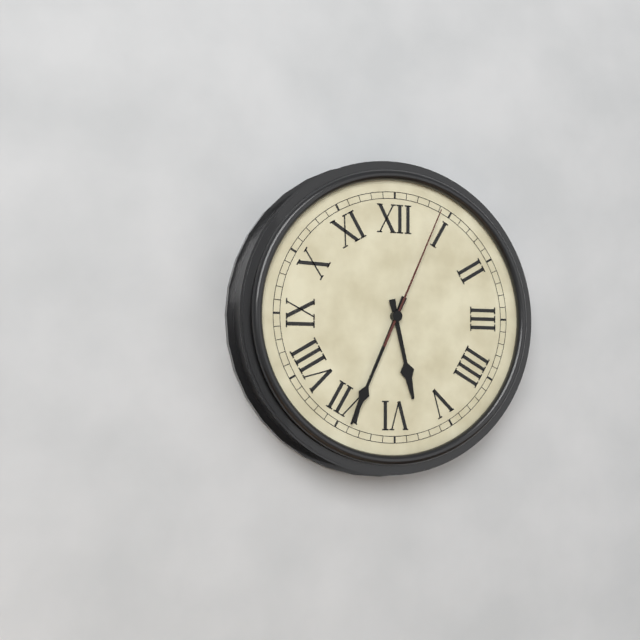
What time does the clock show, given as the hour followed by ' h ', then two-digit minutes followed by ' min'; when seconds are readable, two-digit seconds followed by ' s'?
5 h 34 min 04 s
